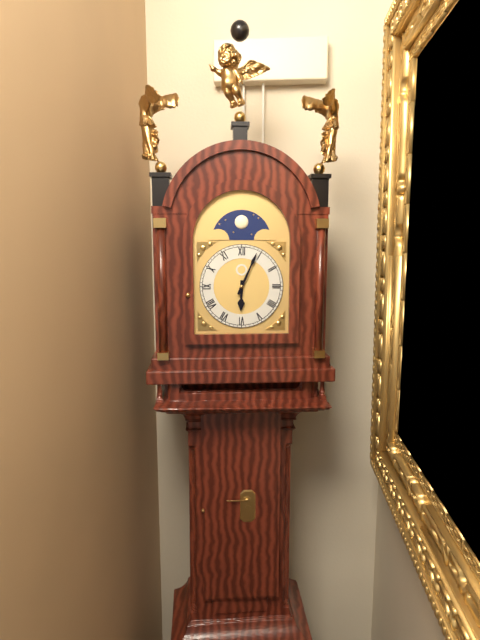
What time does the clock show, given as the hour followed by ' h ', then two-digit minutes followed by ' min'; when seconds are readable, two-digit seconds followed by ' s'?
6 h 04 min
